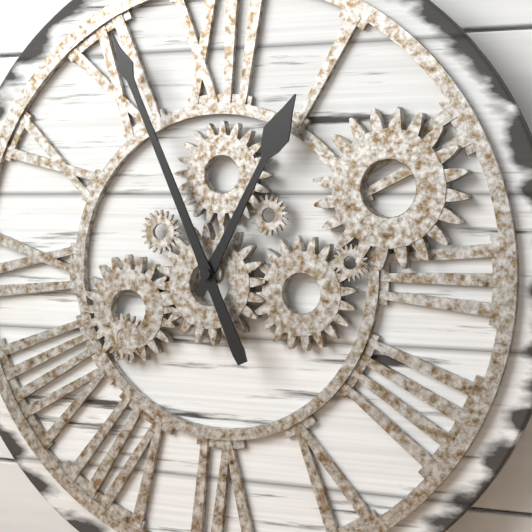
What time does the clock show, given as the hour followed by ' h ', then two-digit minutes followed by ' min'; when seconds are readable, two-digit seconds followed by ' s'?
12 h 56 min
